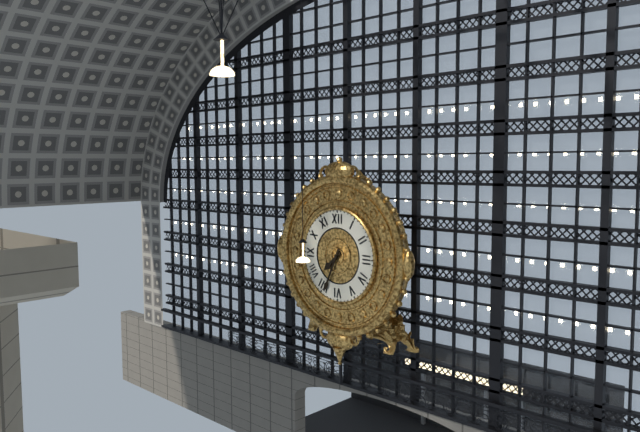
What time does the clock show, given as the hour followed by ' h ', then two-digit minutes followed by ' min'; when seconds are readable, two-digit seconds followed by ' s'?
7 h 34 min
